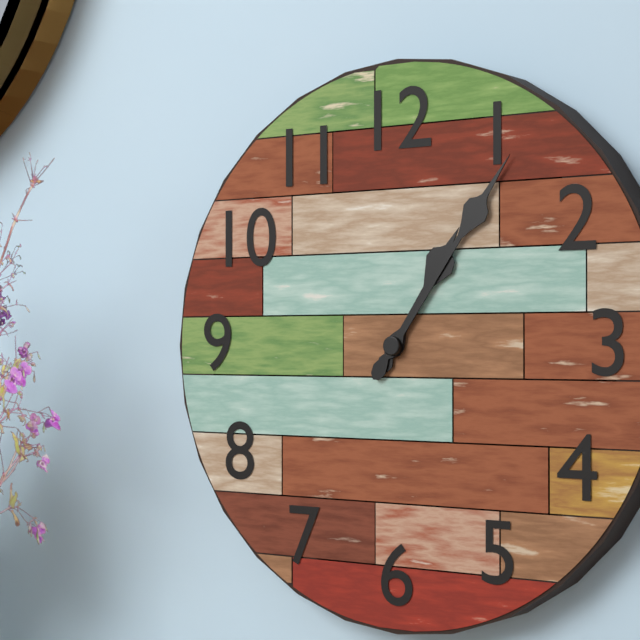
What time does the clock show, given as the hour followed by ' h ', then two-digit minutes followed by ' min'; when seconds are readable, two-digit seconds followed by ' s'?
1 h 06 min
